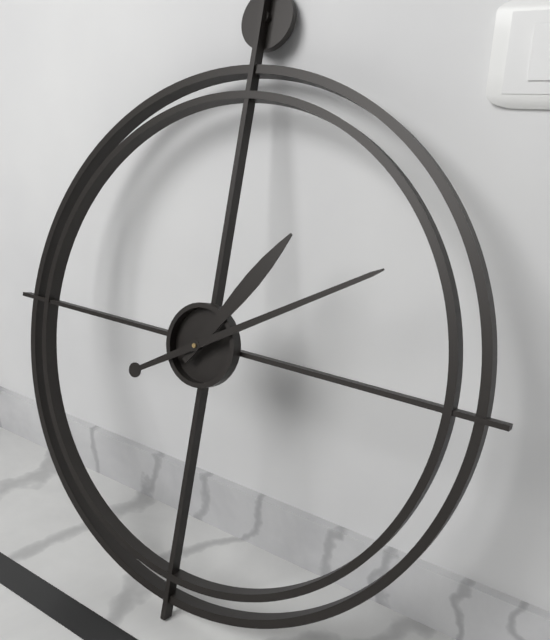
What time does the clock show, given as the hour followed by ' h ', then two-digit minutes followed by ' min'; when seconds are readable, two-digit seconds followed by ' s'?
1 h 10 min
